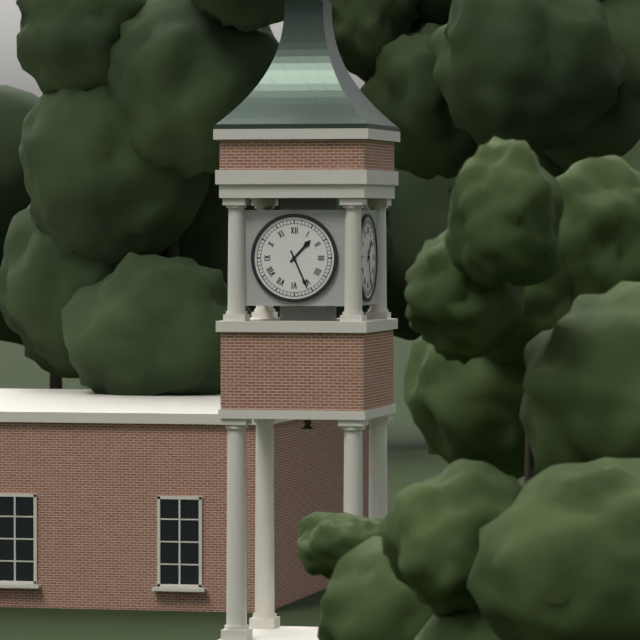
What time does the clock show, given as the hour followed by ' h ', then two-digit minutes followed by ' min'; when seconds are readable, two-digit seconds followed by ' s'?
1 h 26 min
